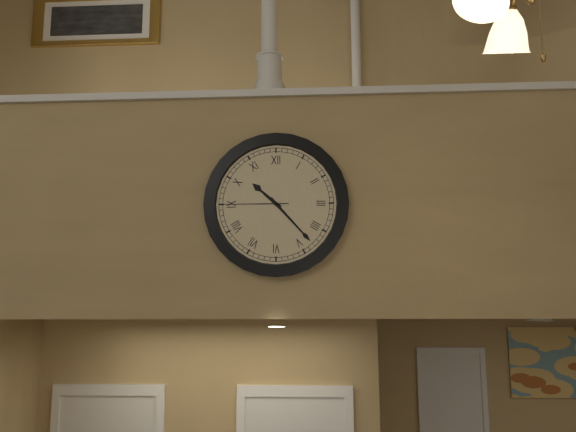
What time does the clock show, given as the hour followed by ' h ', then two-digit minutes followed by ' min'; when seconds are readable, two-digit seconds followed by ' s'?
10 h 23 min 45 s
